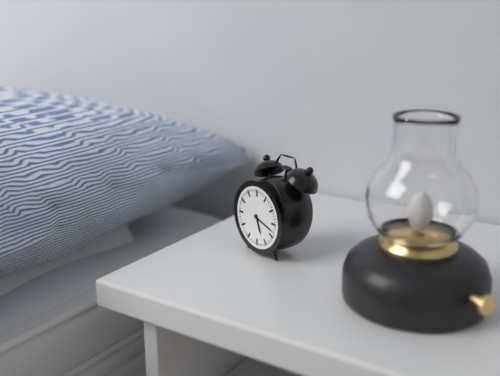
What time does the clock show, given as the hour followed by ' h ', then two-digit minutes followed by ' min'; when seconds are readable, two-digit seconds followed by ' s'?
5 h 18 min
